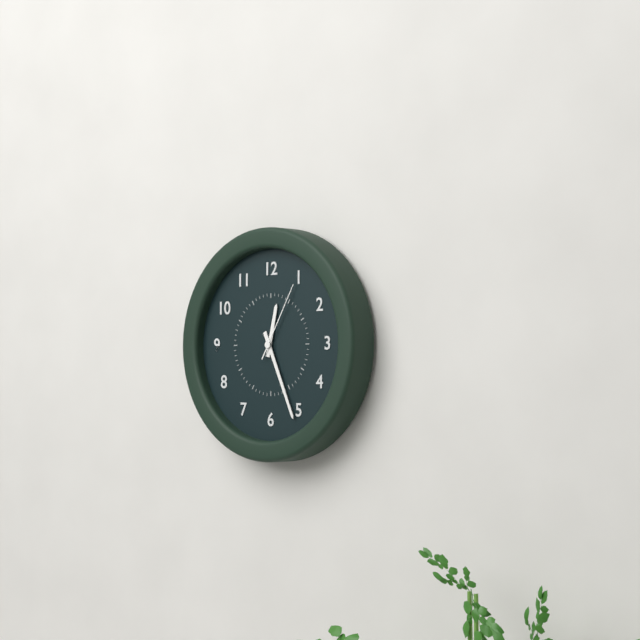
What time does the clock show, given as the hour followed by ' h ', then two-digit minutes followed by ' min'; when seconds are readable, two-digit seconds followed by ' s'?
12 h 26 min 05 s
